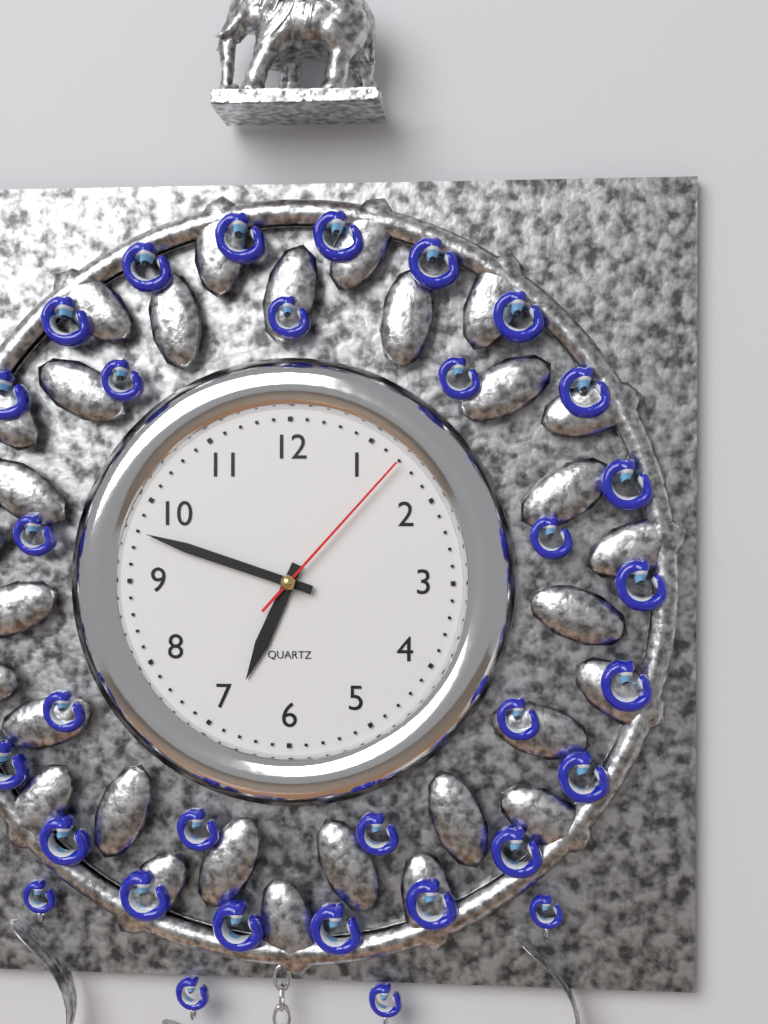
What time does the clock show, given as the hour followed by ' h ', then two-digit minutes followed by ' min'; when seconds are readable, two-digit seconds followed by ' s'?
6 h 48 min 07 s
